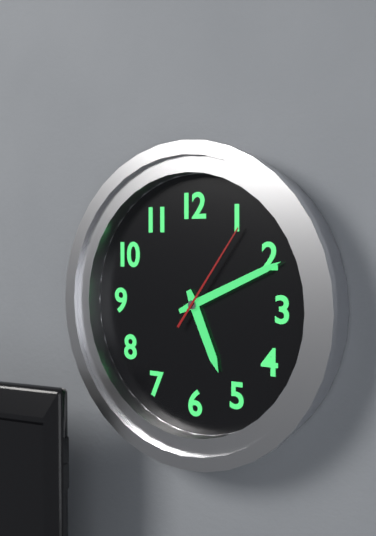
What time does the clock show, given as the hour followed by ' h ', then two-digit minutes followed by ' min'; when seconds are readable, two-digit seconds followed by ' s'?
5 h 11 min 06 s
